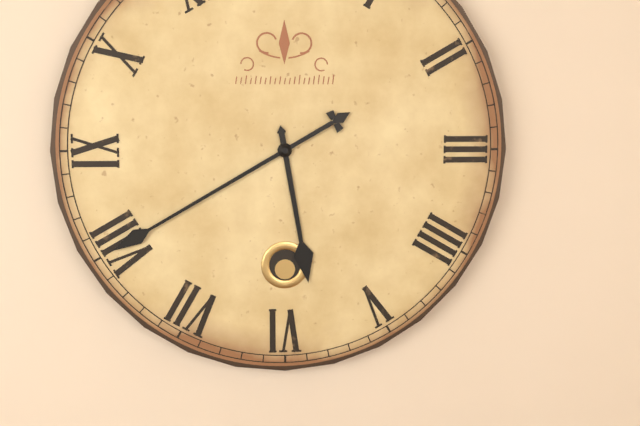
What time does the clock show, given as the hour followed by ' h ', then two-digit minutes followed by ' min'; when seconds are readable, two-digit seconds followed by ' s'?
5 h 40 min
